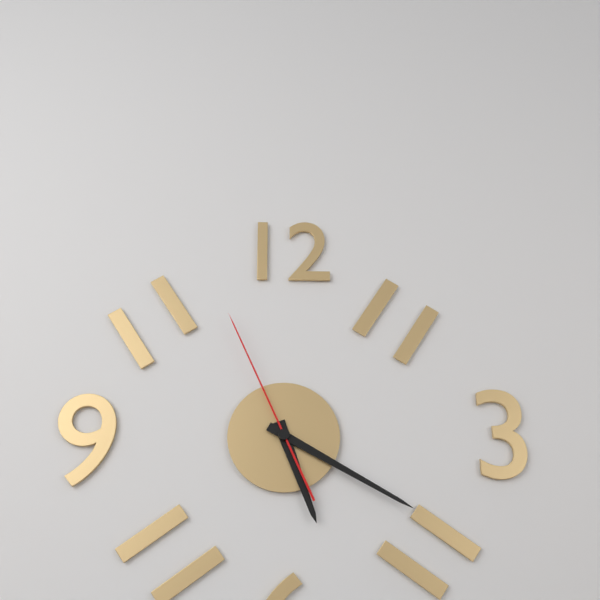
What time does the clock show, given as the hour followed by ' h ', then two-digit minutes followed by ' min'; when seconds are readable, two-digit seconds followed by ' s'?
5 h 20 min 56 s
